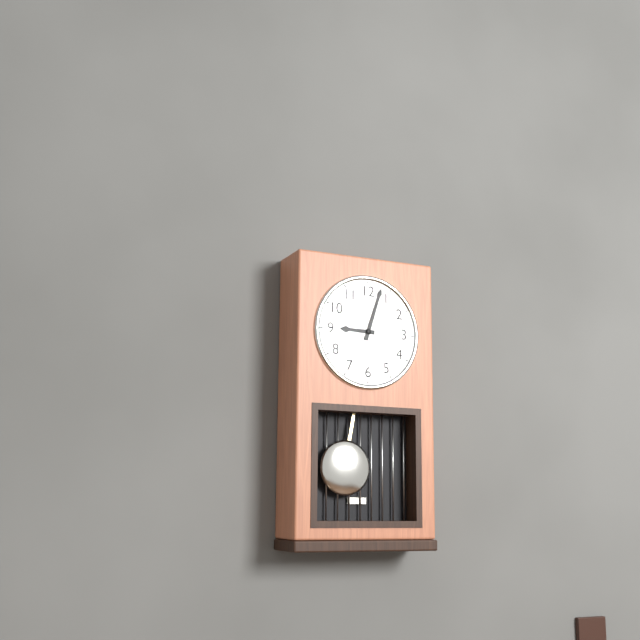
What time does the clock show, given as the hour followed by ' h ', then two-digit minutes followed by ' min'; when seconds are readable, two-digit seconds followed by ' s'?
9 h 03 min
